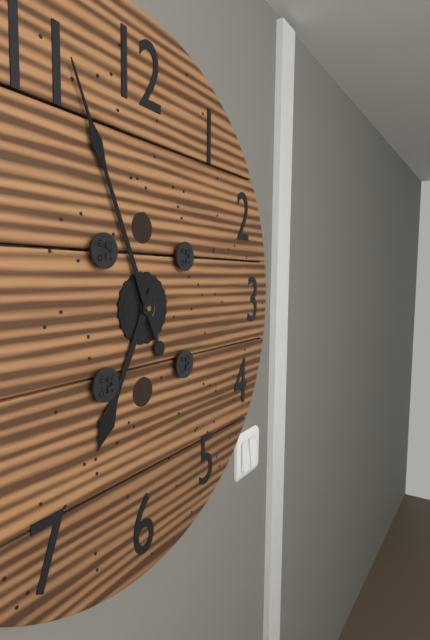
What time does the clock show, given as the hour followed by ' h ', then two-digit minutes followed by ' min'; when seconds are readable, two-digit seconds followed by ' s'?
6 h 56 min
